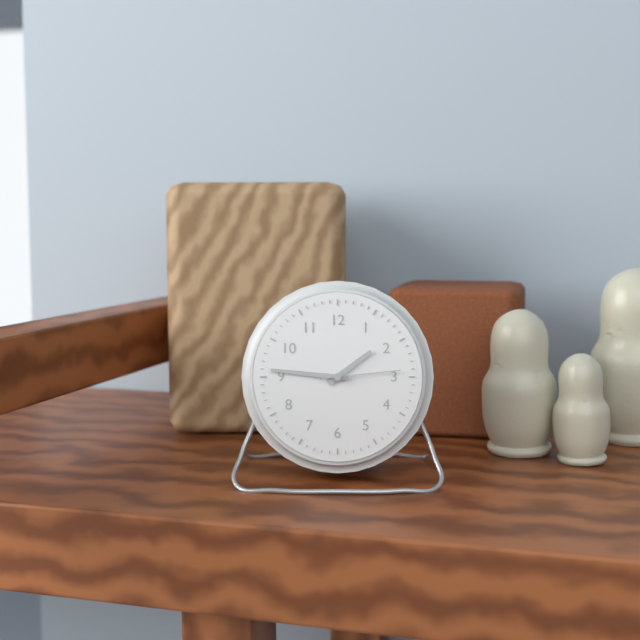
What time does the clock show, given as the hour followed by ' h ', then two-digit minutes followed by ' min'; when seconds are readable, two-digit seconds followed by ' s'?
1 h 46 min 14 s
